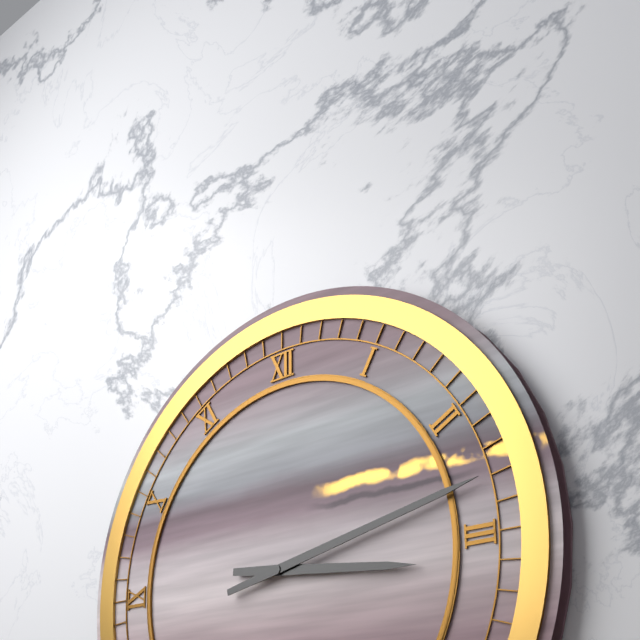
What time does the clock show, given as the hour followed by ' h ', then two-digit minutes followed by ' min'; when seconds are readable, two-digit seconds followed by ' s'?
3 h 13 min
